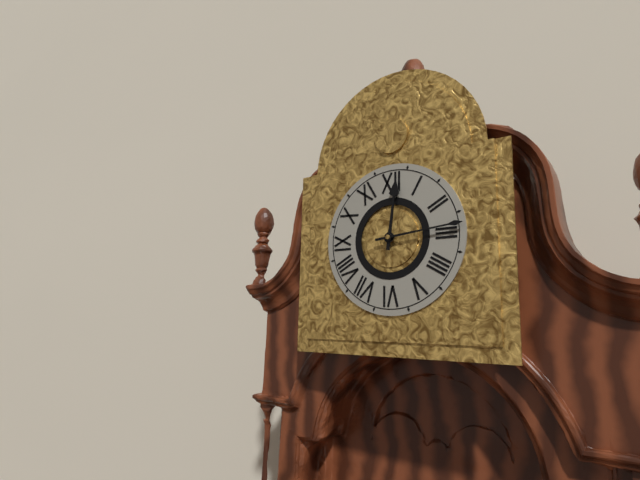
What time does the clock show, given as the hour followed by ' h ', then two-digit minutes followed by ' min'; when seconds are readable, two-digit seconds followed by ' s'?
12 h 14 min
